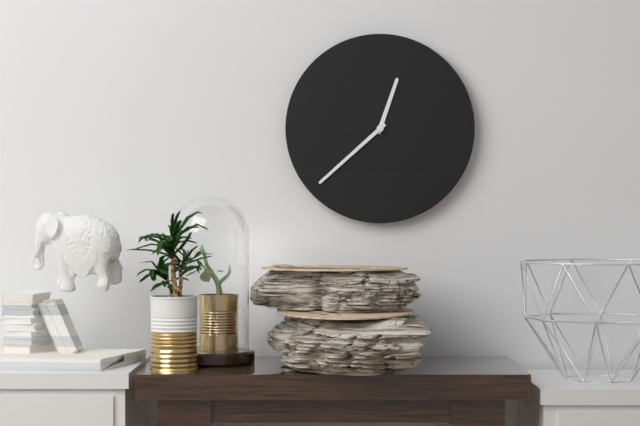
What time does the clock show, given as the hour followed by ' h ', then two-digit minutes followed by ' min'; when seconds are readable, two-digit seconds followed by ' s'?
12 h 38 min
